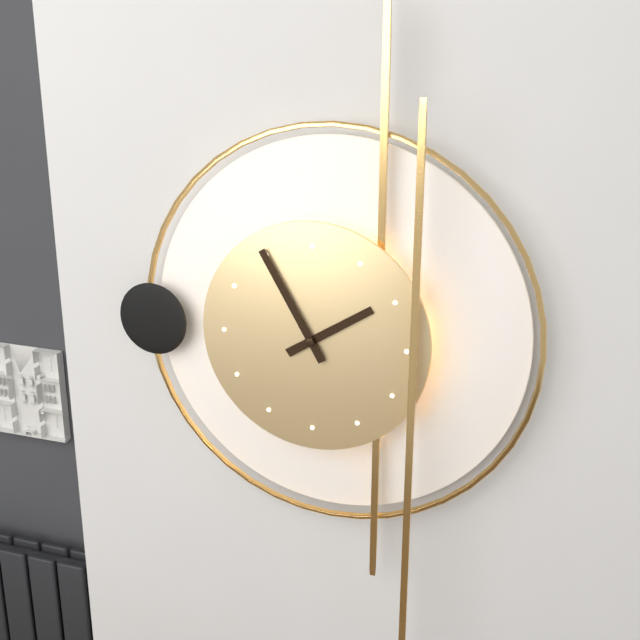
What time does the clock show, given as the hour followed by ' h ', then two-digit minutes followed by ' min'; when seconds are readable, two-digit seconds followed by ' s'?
1 h 55 min
